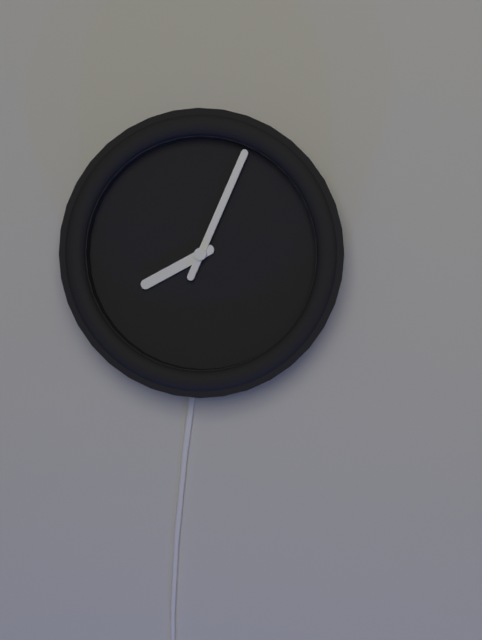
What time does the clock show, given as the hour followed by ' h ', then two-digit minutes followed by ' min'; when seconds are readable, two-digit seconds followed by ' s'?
8 h 04 min
